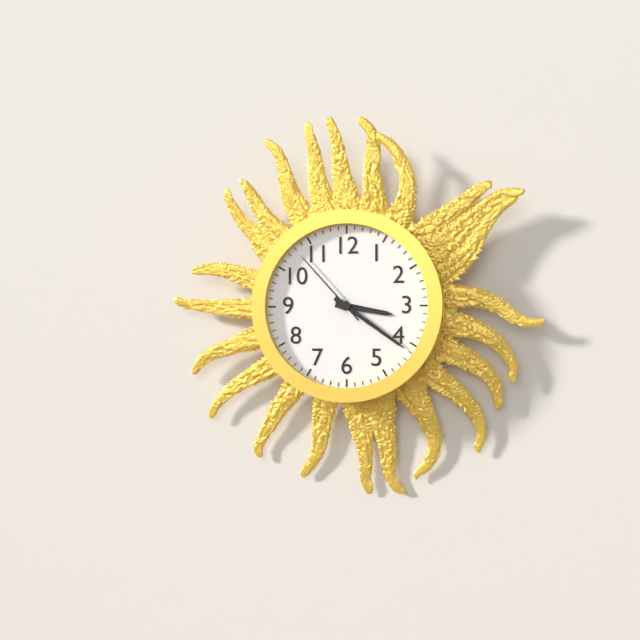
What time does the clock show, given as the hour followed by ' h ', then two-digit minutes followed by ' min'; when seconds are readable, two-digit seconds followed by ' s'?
3 h 21 min 53 s
